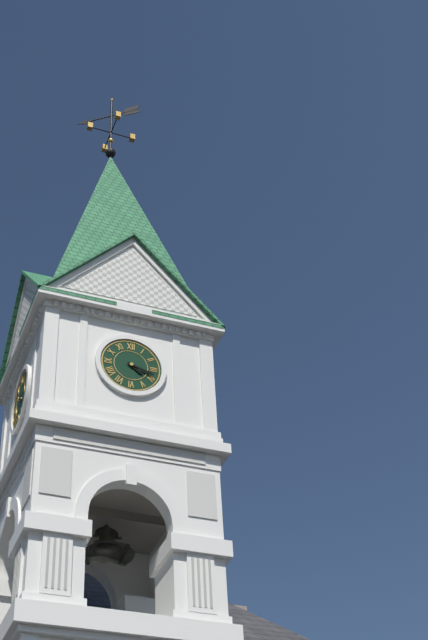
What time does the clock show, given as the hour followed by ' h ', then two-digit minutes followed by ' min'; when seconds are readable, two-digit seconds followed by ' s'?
4 h 18 min
